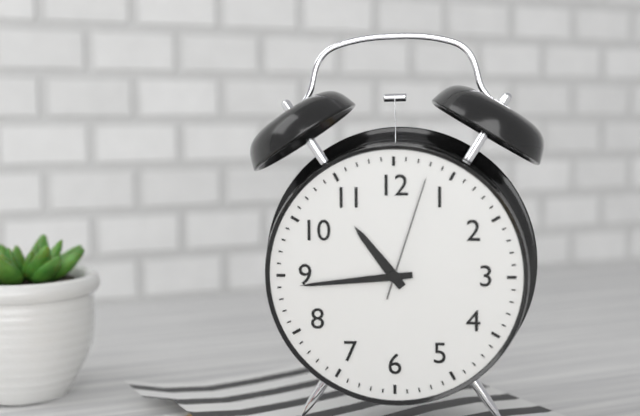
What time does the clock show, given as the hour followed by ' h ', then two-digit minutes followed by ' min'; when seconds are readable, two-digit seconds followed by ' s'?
10 h 44 min 03 s
